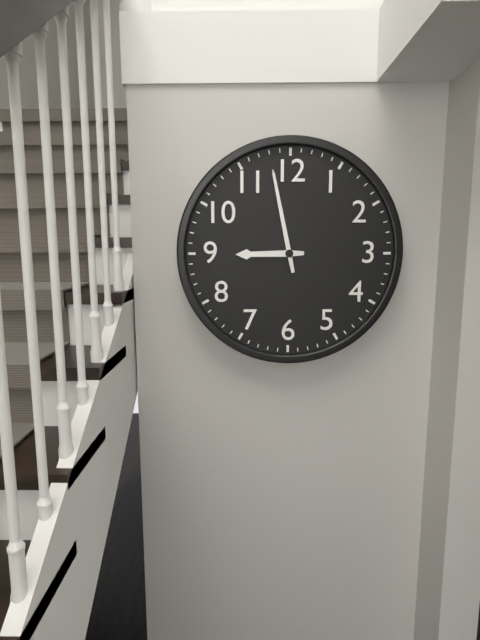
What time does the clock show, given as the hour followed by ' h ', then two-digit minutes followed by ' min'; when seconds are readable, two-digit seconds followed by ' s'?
8 h 58 min
